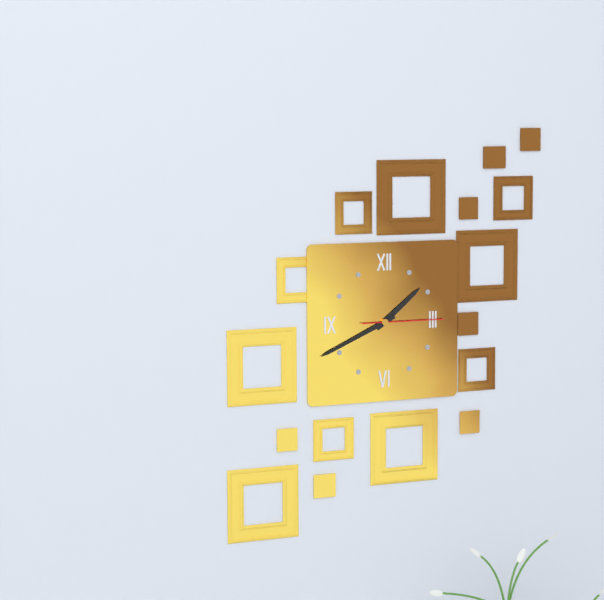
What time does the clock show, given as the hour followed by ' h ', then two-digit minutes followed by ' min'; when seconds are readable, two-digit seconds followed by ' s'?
1 h 41 min 15 s
